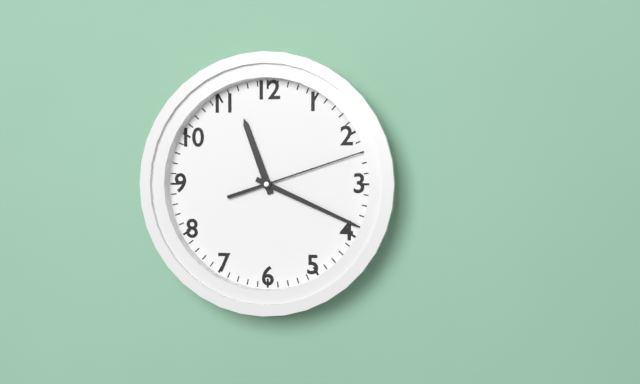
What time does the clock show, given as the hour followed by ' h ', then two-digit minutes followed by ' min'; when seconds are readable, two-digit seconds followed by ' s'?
11 h 19 min 12 s
